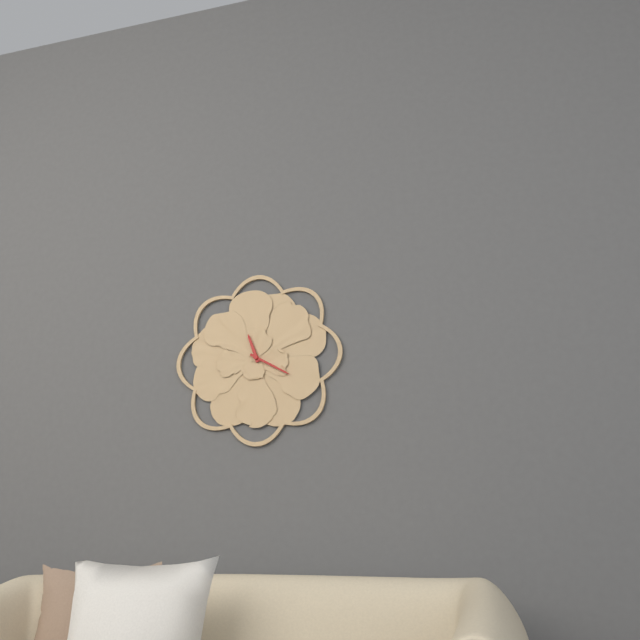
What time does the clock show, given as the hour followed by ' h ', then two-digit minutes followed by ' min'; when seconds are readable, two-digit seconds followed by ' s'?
11 h 20 min
